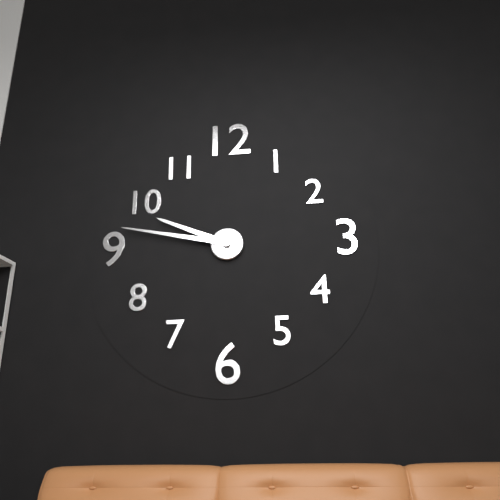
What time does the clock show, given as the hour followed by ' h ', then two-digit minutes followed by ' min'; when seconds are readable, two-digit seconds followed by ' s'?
9 h 47 min
